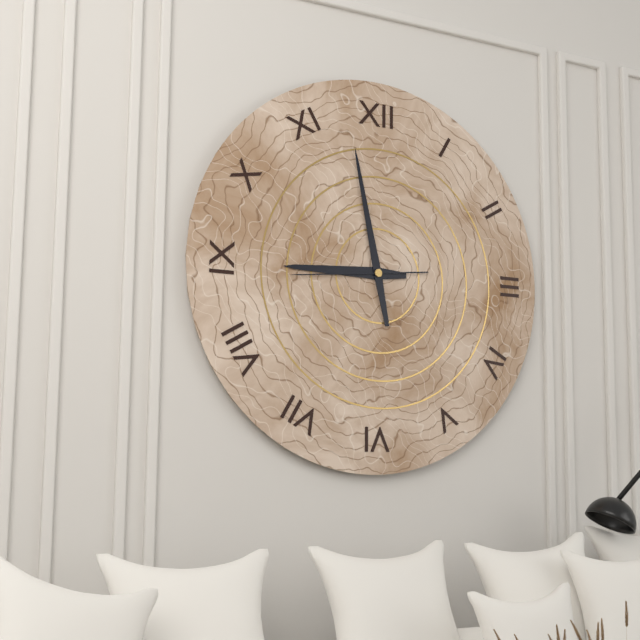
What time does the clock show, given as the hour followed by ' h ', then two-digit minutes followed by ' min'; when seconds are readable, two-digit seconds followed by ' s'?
8 h 58 min 44 s
